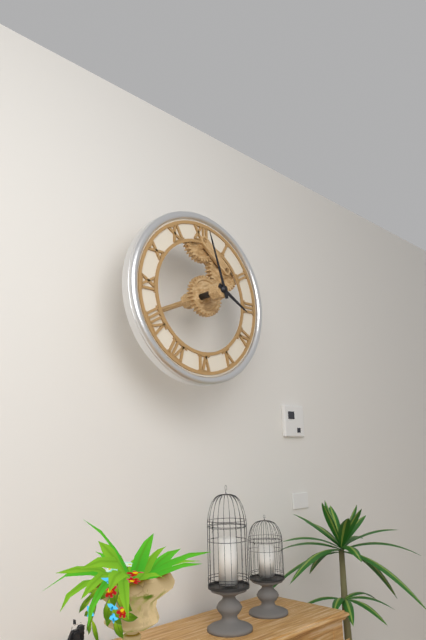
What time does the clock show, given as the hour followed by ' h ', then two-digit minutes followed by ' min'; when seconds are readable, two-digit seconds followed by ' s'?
3 h 57 min
